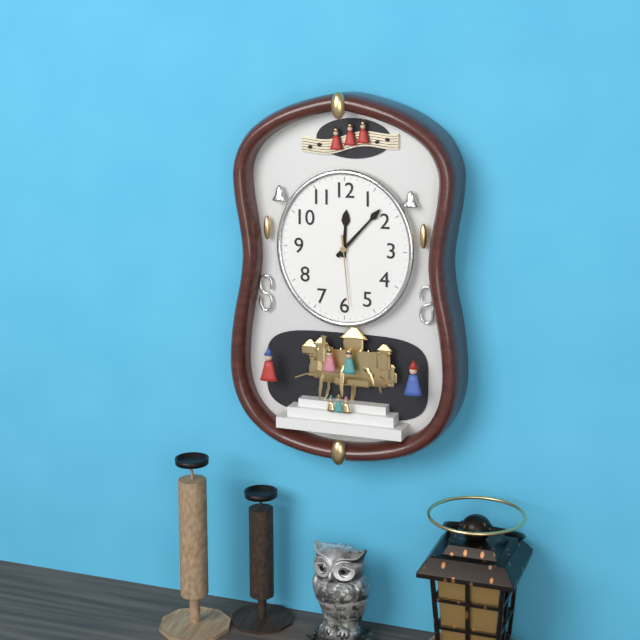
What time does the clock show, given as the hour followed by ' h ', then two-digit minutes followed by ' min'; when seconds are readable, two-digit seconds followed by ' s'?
12 h 07 min 29 s
